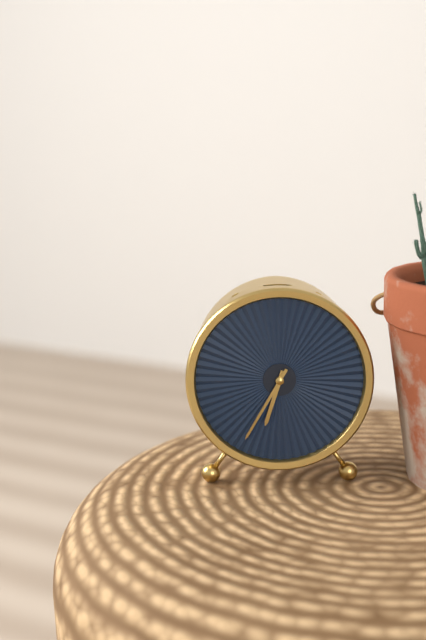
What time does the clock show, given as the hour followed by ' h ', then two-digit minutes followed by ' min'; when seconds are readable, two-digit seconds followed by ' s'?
6 h 35 min
